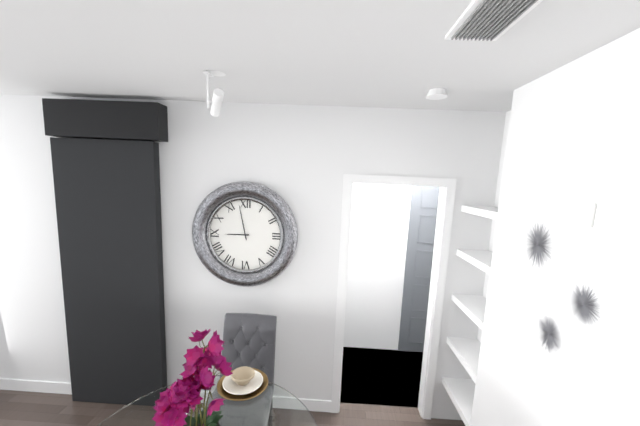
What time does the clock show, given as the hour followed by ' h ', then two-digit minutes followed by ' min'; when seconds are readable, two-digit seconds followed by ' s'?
8 h 58 min
